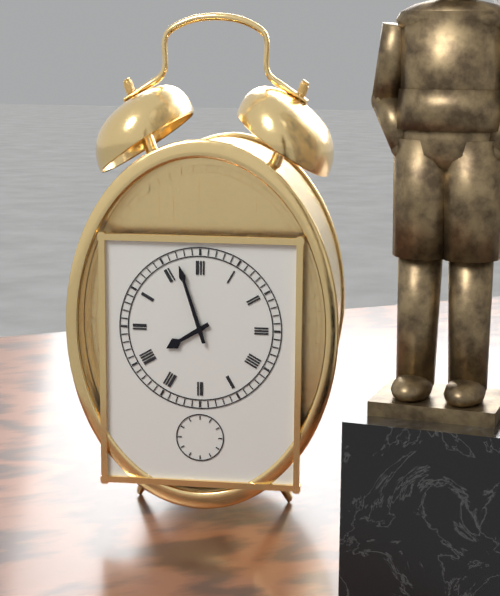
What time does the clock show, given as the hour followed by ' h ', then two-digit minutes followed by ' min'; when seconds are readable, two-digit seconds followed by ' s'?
7 h 57 min
